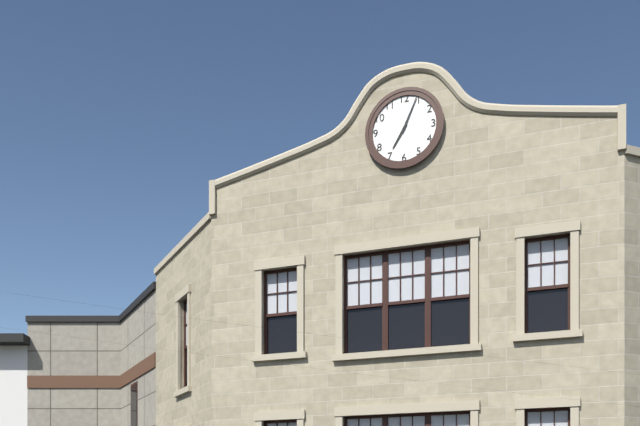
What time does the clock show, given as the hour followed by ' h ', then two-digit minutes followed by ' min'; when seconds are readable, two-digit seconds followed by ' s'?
7 h 04 min
